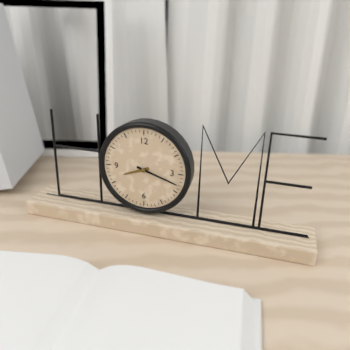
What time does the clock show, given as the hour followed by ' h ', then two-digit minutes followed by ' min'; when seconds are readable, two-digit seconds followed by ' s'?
8 h 18 min
